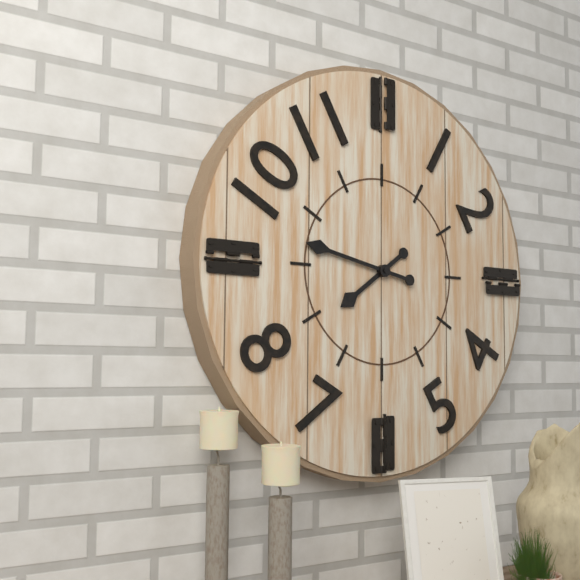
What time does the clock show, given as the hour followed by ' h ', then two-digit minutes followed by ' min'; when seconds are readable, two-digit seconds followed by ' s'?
7 h 47 min
